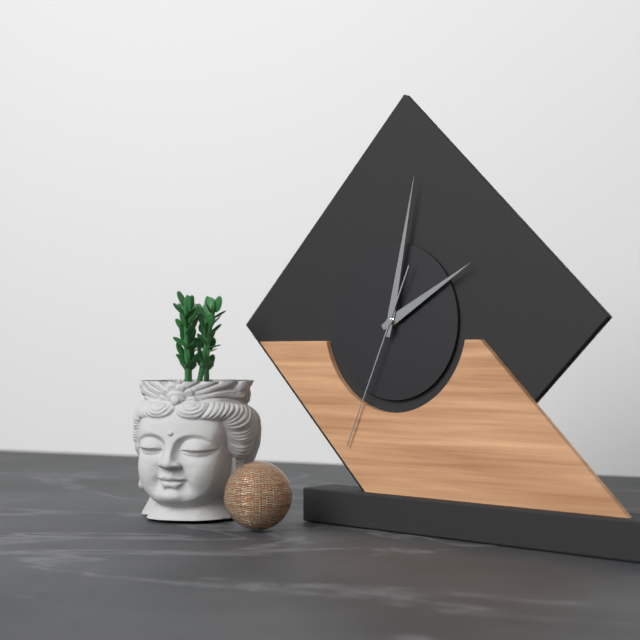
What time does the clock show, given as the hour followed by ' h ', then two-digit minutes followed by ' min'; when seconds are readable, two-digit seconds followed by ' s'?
2 h 02 min 34 s
